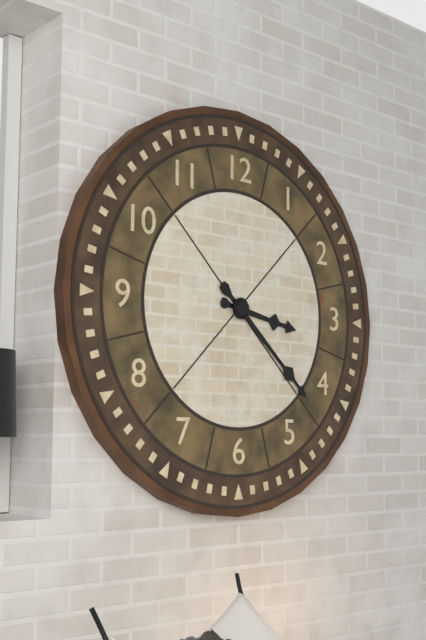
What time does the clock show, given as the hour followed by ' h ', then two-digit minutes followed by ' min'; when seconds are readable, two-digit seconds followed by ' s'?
3 h 22 min
